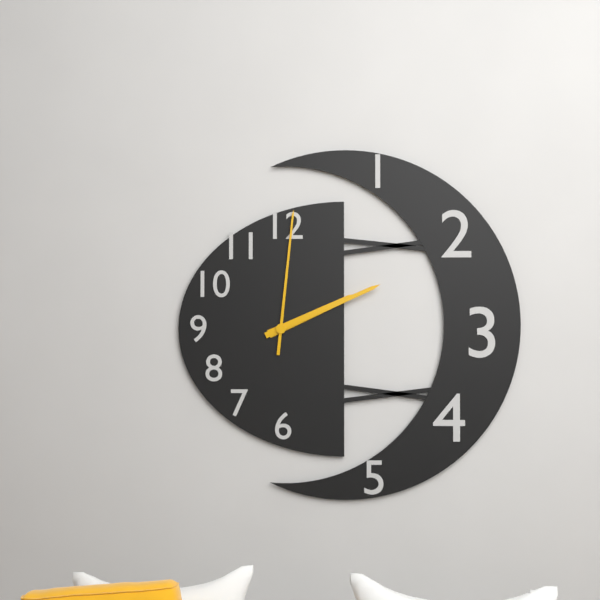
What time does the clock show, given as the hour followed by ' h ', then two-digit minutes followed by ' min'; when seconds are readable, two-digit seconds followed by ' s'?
2 h 11 min 01 s
